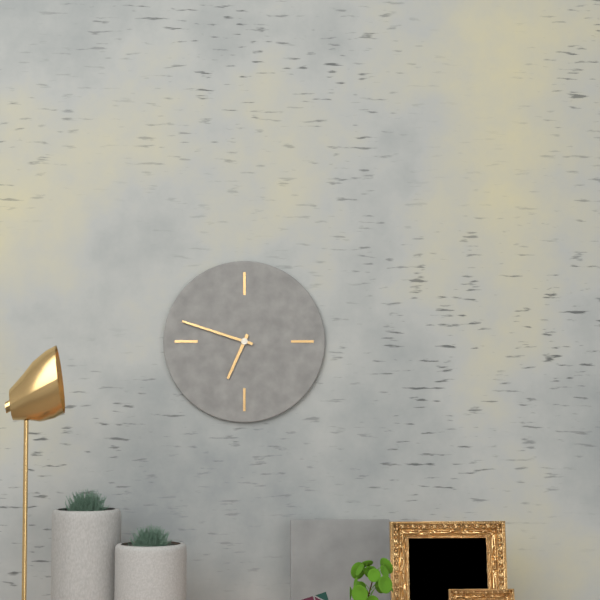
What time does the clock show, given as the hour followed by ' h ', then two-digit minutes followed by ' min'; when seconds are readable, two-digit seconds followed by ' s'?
6 h 48 min
